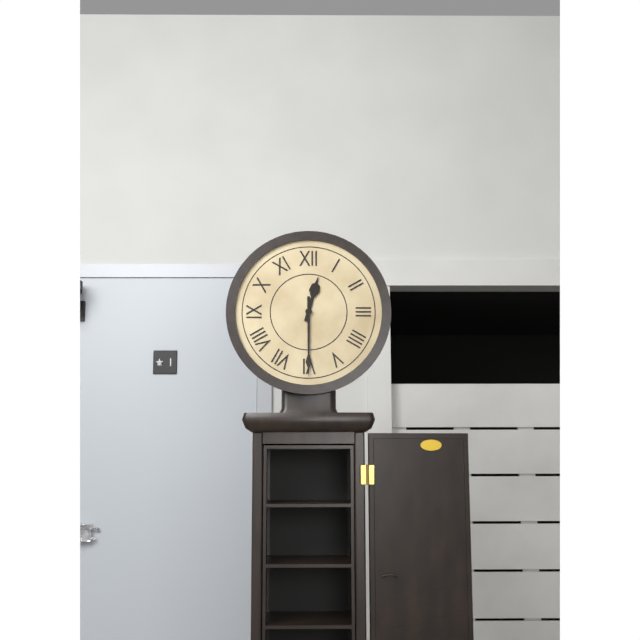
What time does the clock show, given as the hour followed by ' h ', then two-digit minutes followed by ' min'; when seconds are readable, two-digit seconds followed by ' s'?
12 h 30 min
